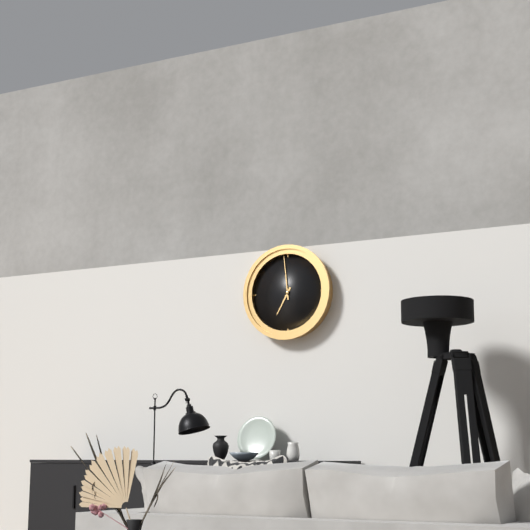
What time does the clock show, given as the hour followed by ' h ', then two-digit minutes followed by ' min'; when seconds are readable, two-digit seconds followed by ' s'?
6 h 59 min
